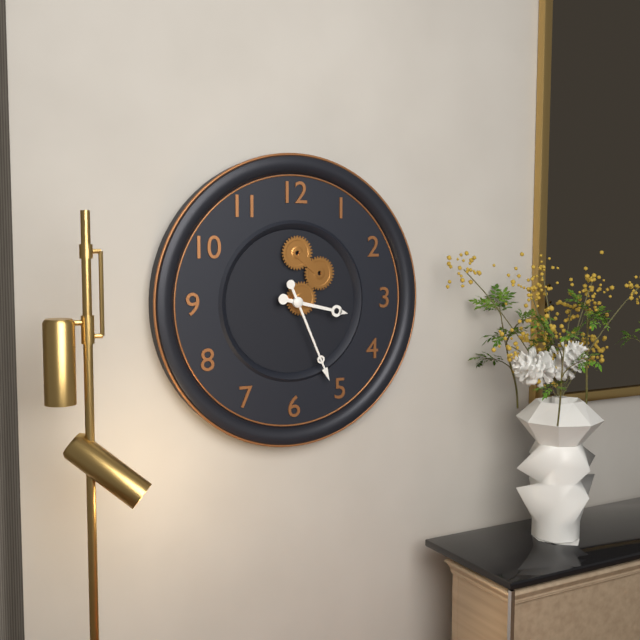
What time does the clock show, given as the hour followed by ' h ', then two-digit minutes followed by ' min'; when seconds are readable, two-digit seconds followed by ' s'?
3 h 26 min
